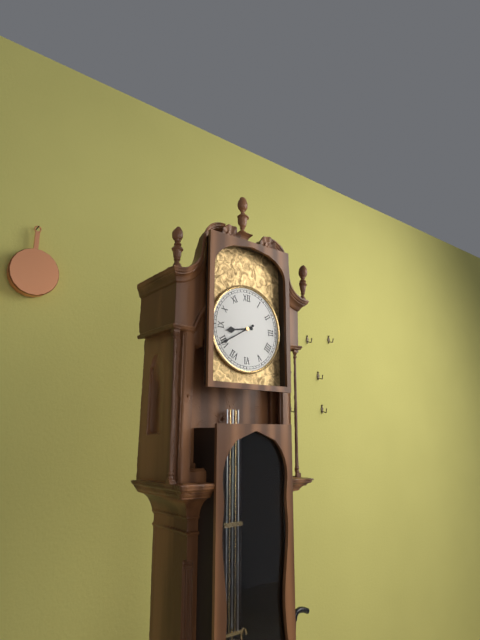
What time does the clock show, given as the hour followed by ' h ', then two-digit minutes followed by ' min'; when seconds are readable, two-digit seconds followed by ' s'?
8 h 40 min
